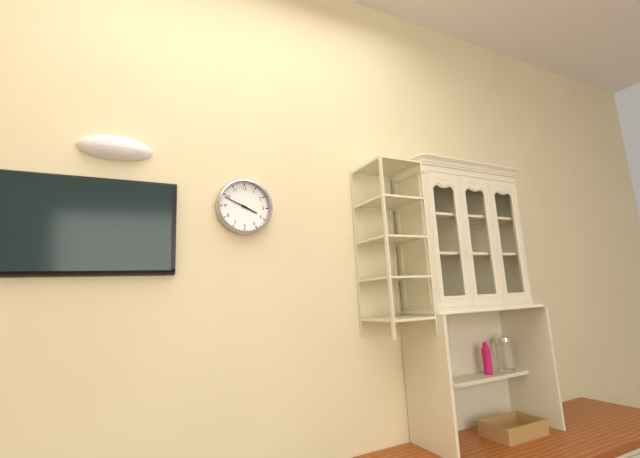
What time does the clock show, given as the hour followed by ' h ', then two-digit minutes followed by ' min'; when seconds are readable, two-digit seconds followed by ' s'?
3 h 49 min
